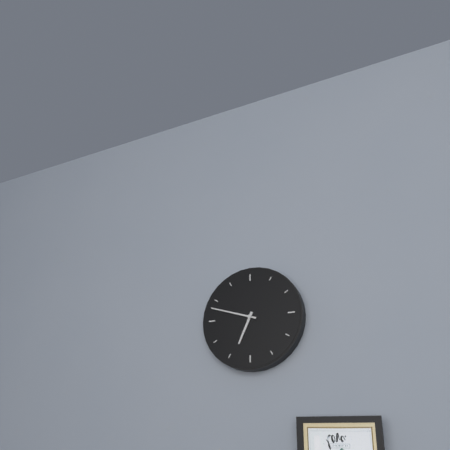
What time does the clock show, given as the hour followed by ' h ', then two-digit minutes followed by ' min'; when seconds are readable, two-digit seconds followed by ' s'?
6 h 48 min
